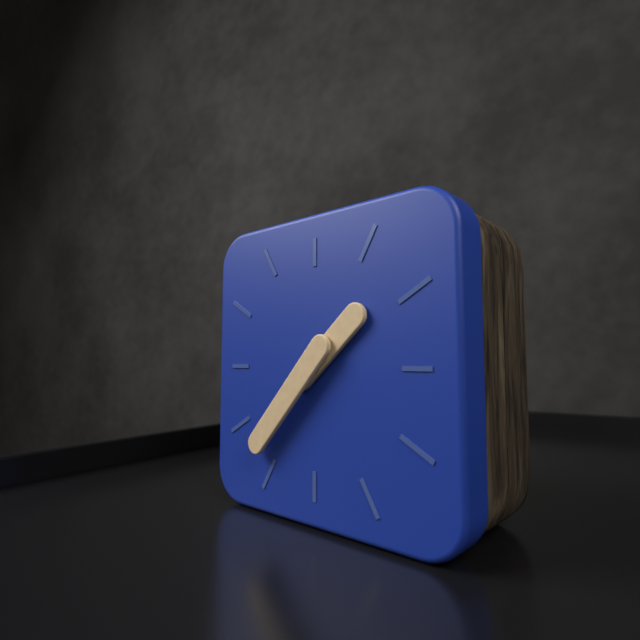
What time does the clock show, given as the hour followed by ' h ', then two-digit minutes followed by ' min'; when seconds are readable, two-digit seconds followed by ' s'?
1 h 37 min
